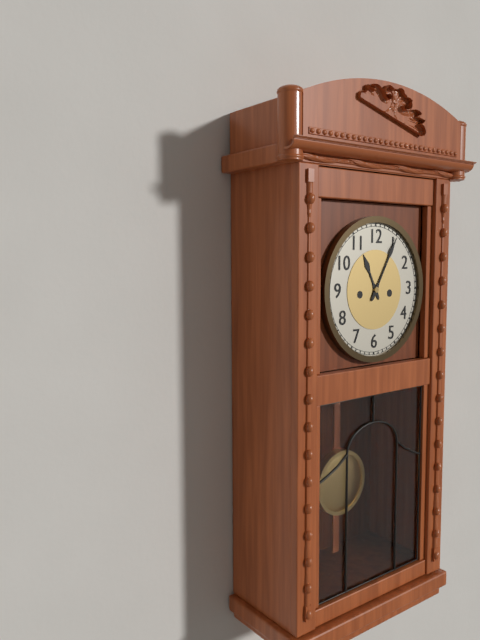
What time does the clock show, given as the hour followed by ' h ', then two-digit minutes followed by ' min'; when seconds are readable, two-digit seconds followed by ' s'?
11 h 05 min
